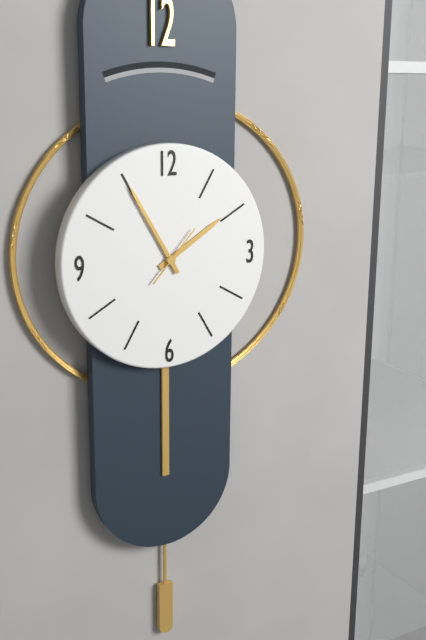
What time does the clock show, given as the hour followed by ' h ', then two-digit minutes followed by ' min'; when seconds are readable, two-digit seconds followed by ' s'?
1 h 55 min 07 s
